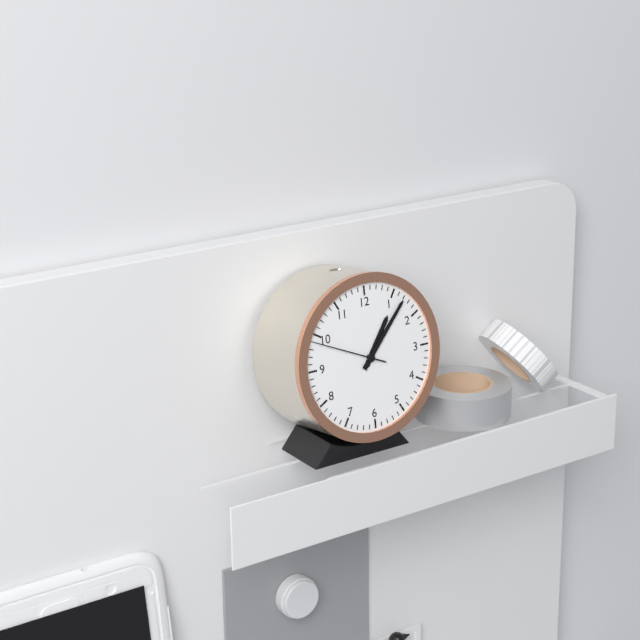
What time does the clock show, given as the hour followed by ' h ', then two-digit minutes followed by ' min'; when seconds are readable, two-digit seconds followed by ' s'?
1 h 07 min 49 s
